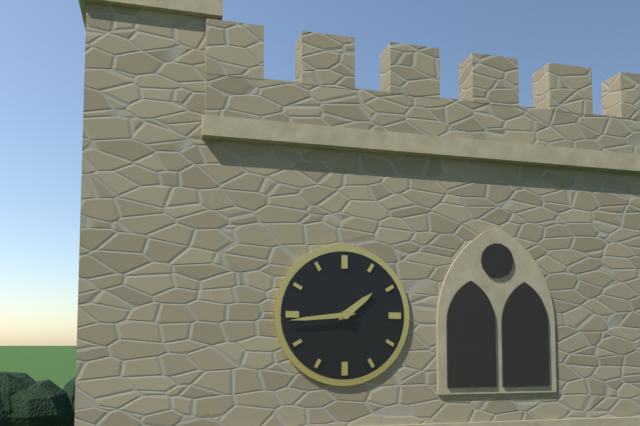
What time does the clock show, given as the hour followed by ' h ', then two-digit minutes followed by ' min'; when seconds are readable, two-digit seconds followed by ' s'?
1 h 44 min
